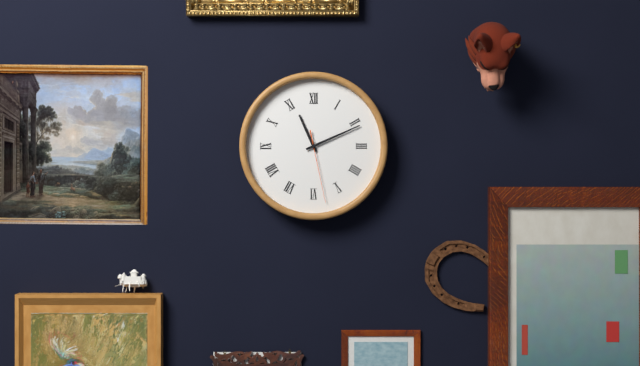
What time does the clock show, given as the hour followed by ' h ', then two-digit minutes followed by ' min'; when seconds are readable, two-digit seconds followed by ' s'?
11 h 11 min 28 s
